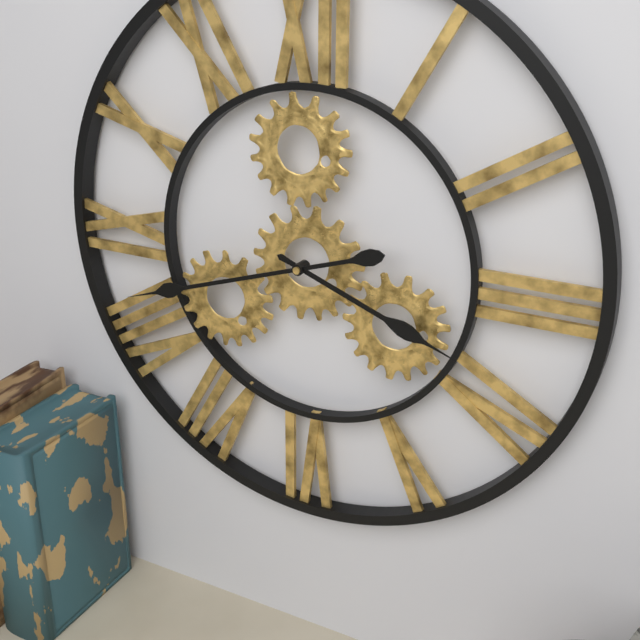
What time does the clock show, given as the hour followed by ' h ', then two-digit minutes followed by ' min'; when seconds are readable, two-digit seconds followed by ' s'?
3 h 42 min
